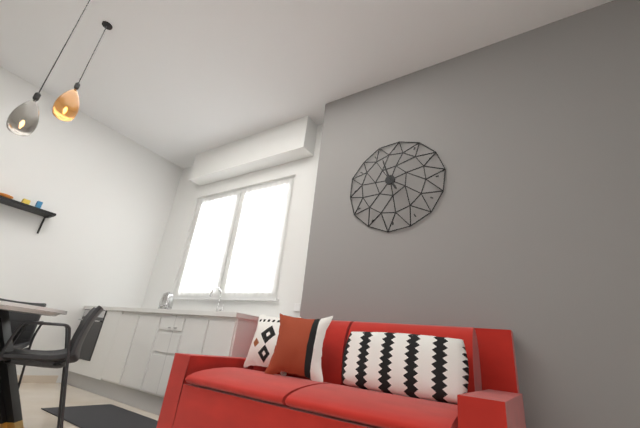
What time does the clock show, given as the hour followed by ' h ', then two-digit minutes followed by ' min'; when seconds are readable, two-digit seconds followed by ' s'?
4 h 57 min
